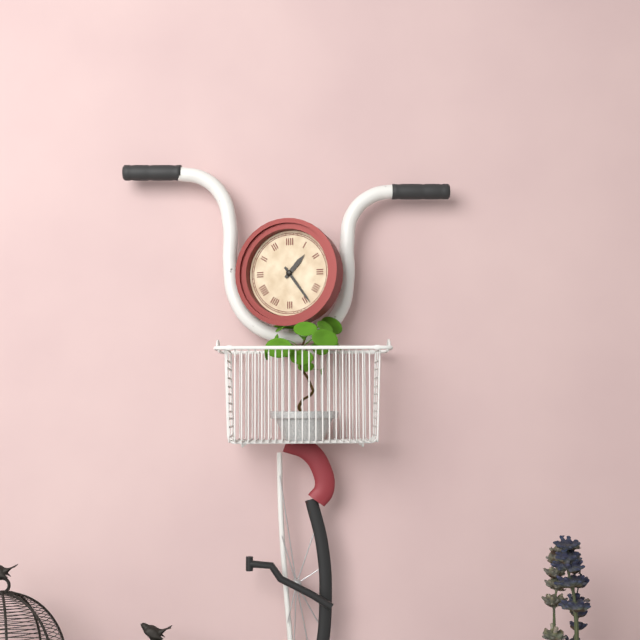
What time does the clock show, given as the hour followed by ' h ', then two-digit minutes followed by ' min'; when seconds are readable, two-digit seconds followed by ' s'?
1 h 24 min
